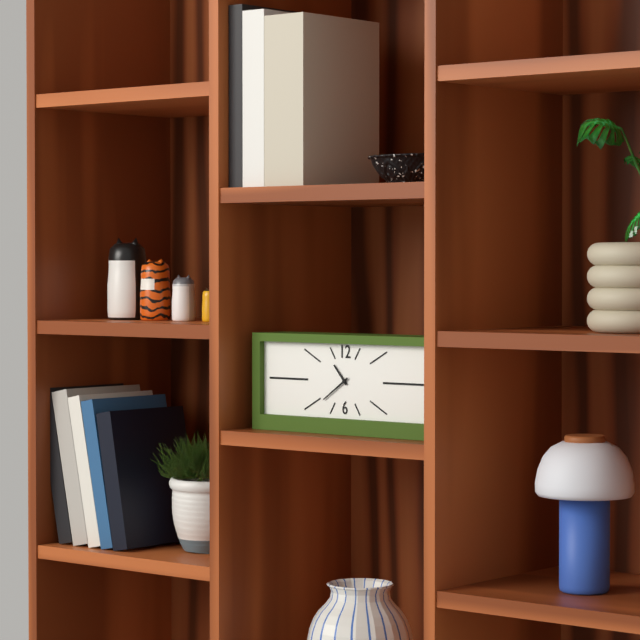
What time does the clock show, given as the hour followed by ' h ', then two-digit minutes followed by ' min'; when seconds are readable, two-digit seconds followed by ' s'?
10 h 39 min
